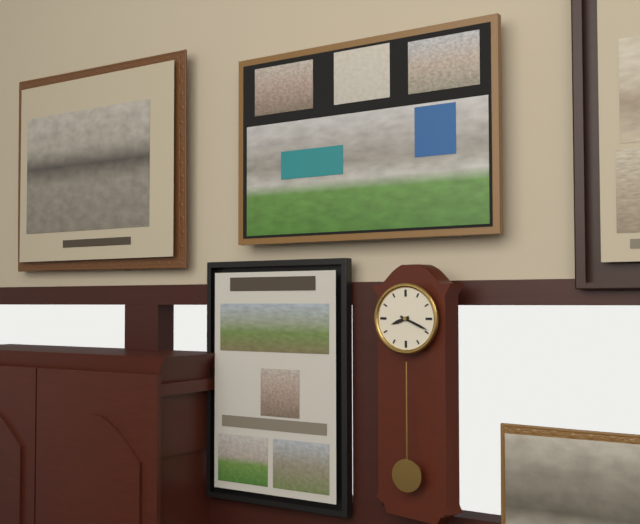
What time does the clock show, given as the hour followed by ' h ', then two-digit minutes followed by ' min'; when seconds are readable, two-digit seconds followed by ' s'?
8 h 19 min
